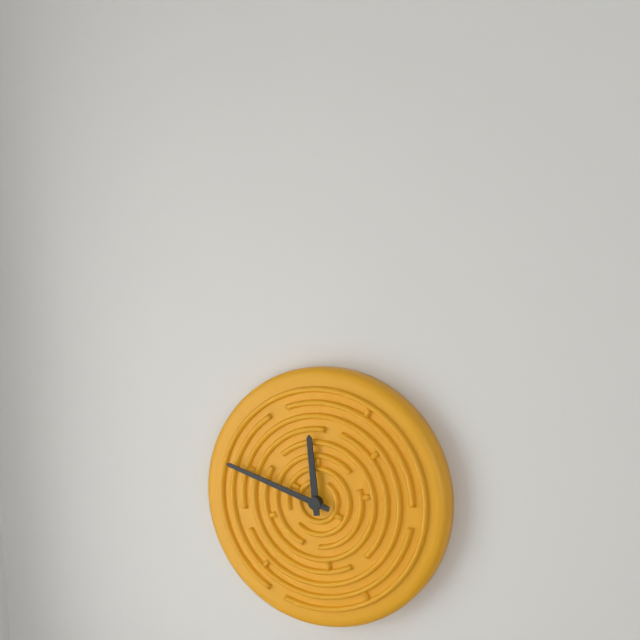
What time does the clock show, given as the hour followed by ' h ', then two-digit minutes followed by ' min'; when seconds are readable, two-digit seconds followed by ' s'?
11 h 48 min
